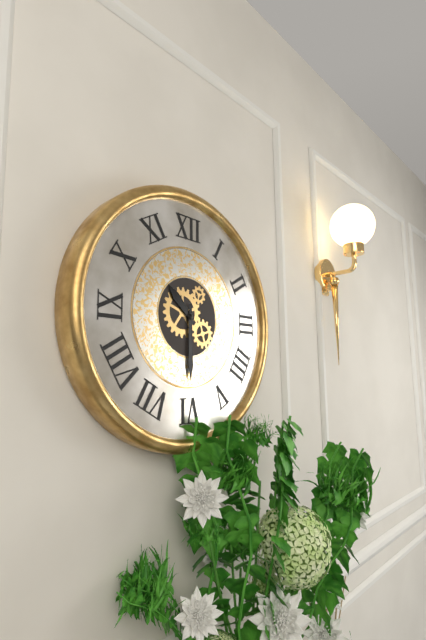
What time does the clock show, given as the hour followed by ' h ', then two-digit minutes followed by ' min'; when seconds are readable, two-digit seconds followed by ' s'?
10 h 30 min
